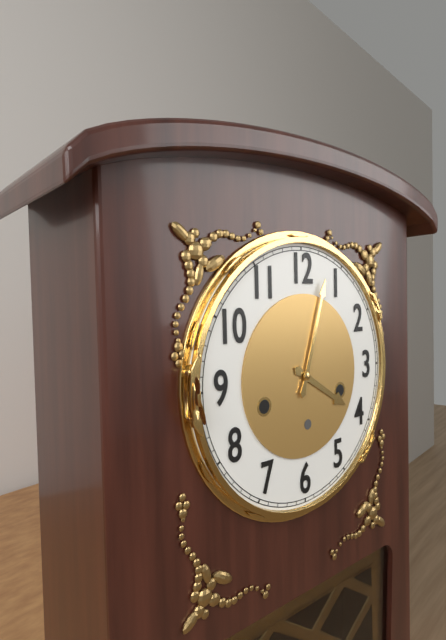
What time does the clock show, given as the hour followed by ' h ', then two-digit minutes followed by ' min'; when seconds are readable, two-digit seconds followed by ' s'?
4 h 03 min
